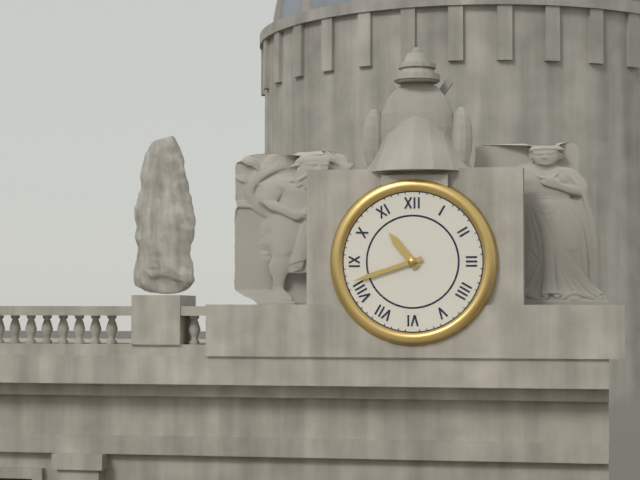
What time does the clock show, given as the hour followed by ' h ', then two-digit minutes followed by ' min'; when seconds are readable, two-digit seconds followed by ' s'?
10 h 42 min
